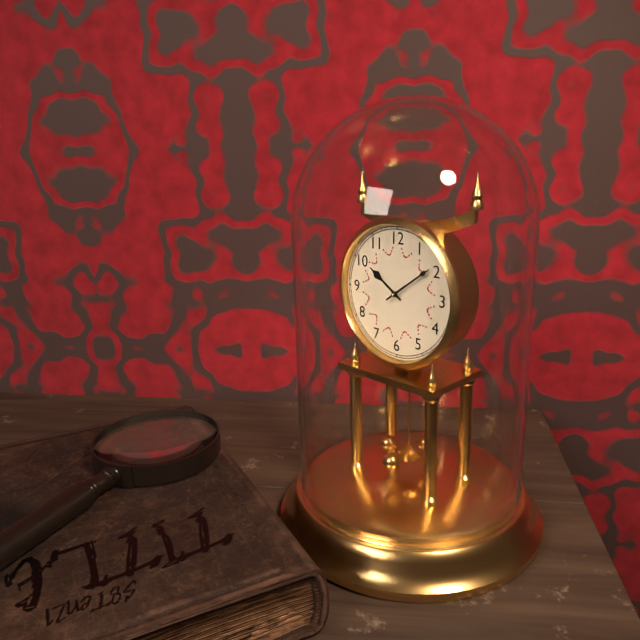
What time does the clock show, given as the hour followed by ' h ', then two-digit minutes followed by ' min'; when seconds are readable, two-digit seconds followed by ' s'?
10 h 09 min
